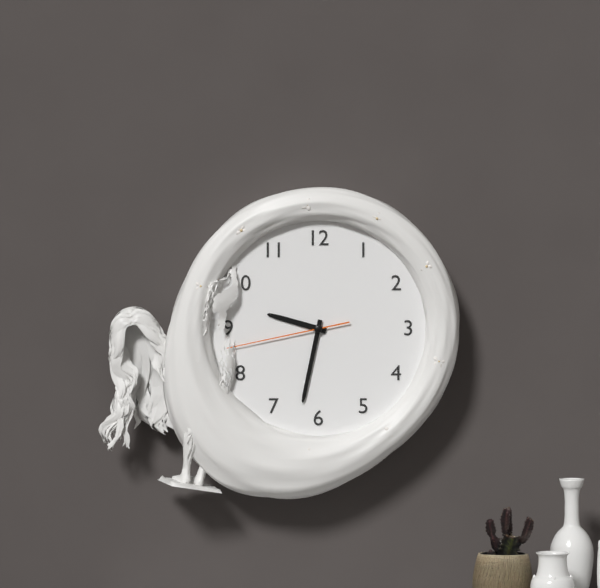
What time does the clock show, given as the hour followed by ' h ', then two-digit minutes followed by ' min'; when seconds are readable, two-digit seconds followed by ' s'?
9 h 32 min 43 s
